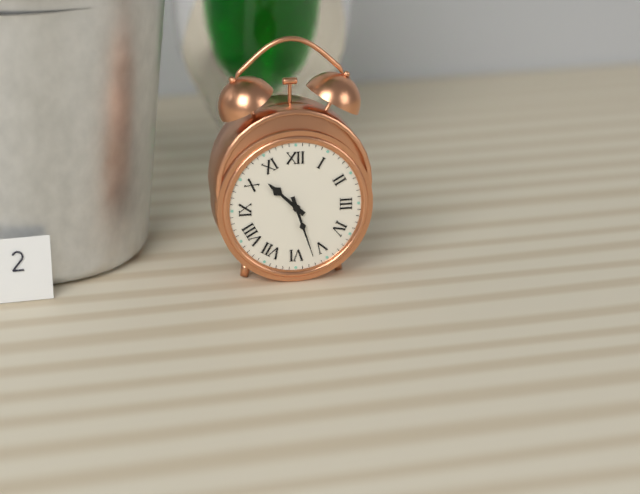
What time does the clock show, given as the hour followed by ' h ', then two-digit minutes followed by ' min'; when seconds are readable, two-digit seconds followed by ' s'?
10 h 27 min
